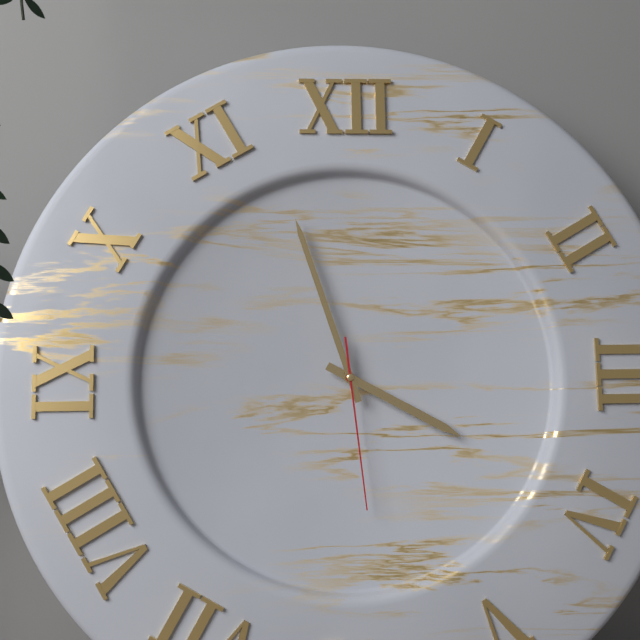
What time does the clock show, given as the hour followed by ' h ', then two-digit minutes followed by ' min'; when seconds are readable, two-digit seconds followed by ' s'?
3 h 57 min 29 s
